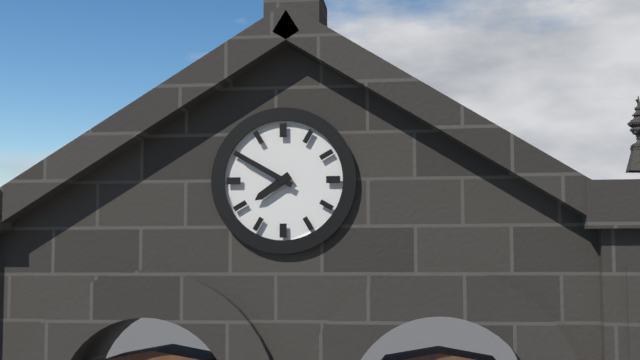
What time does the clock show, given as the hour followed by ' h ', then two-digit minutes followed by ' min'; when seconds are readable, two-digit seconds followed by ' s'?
7 h 50 min
